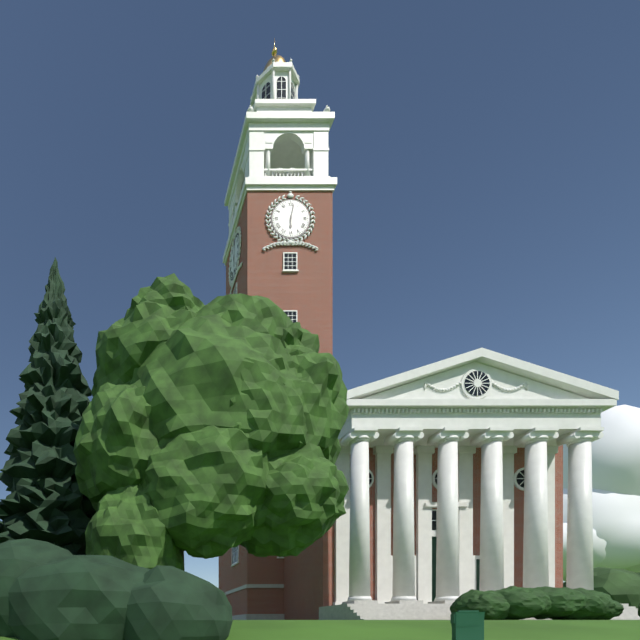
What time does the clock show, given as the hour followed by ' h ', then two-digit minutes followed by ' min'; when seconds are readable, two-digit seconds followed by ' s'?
6 h 02 min
